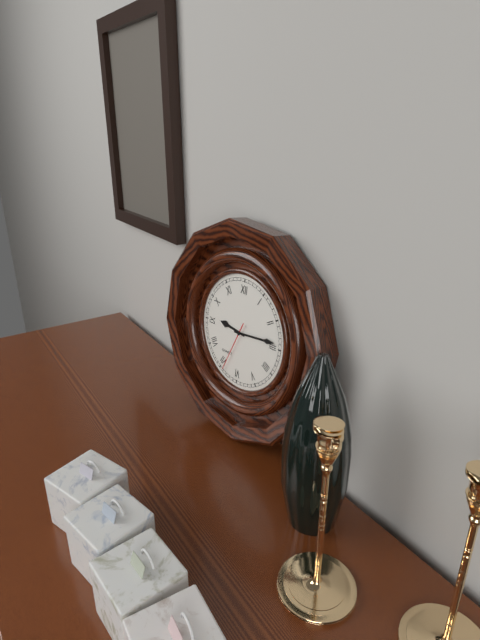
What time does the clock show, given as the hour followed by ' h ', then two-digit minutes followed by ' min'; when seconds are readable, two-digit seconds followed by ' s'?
9 h 14 min
